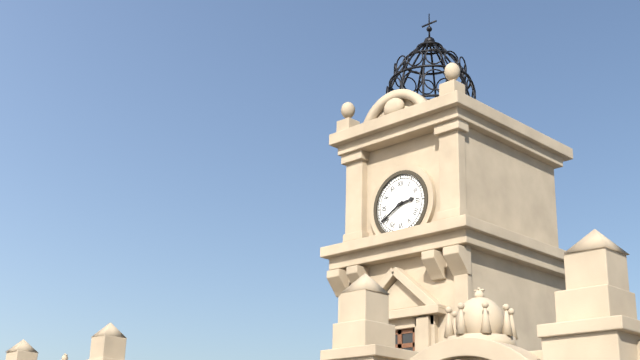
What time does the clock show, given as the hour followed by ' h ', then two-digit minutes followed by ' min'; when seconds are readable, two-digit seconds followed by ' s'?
2 h 40 min
